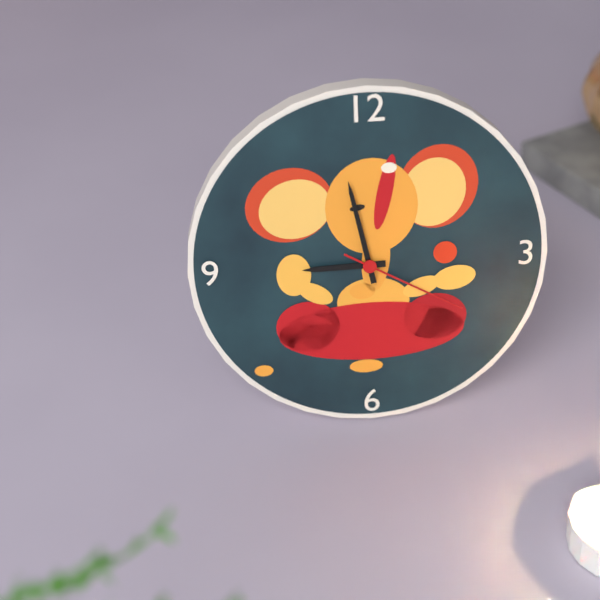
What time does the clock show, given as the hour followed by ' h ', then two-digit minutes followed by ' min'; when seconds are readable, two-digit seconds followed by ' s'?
8 h 58 min 20 s
